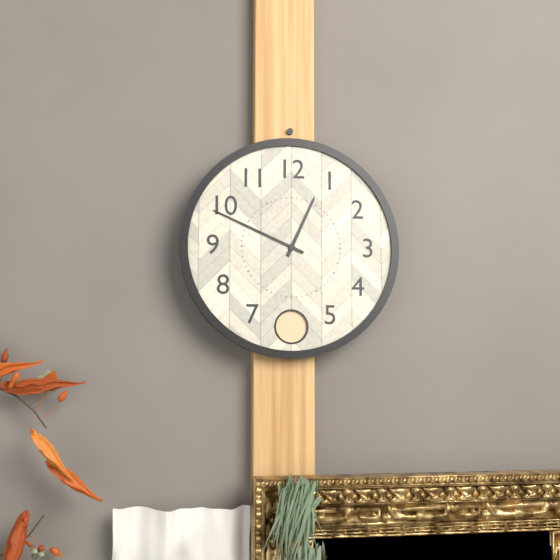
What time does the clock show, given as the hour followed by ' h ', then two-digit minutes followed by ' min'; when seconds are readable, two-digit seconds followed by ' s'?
12 h 49 min
